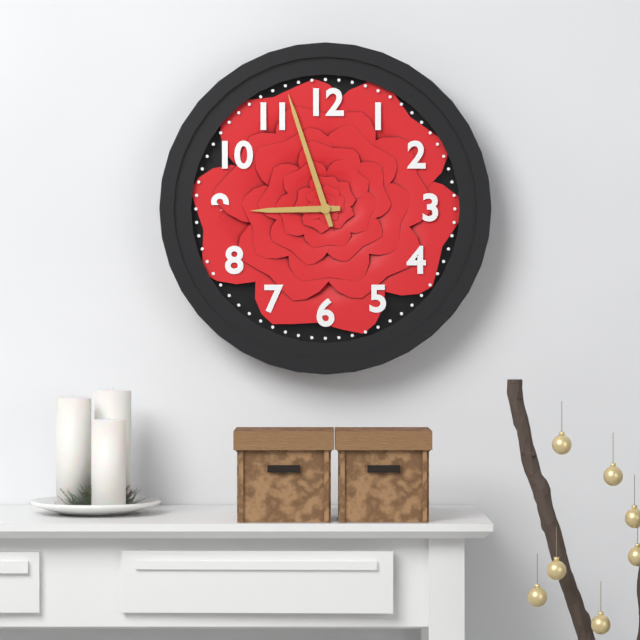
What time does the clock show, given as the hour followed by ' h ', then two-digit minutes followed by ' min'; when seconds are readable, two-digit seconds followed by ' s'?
8 h 57 min
